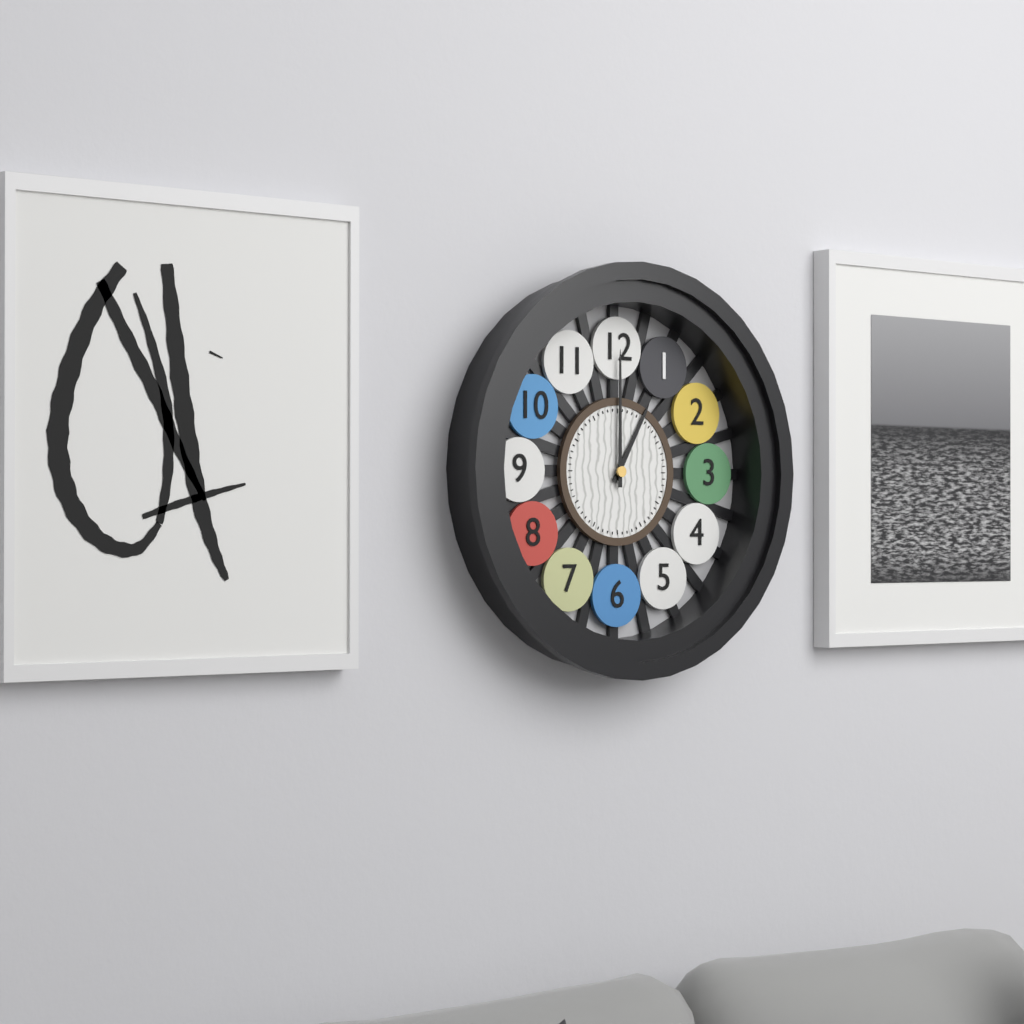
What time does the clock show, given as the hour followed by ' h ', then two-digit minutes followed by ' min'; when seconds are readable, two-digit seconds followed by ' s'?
1 h 00 min
